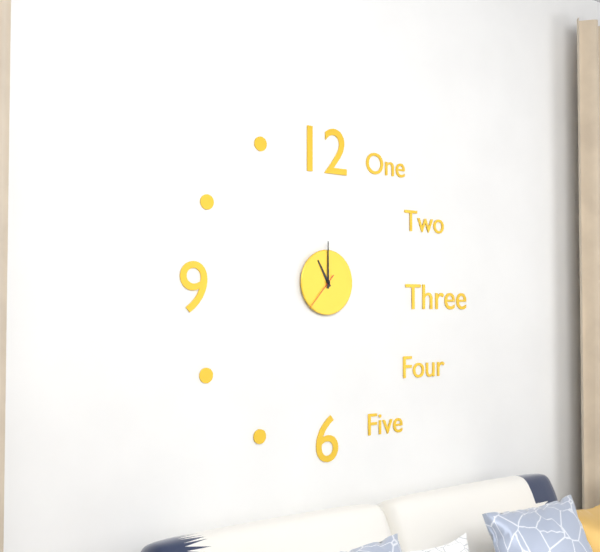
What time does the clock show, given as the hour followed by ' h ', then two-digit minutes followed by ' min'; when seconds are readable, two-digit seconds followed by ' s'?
11 h 00 min
